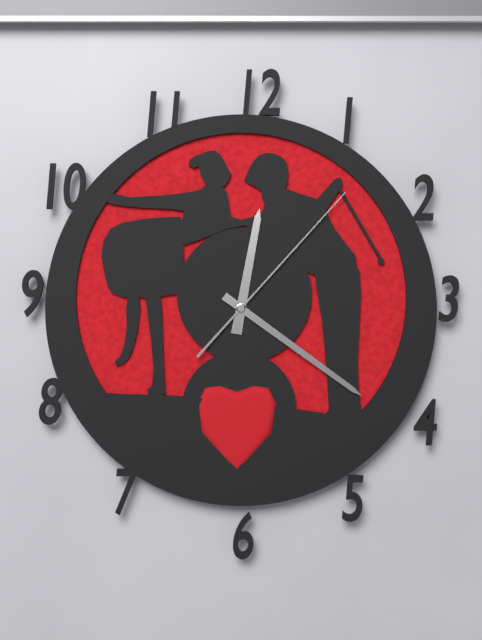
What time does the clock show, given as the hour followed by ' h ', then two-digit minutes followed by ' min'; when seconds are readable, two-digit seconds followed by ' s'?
12 h 21 min 07 s
